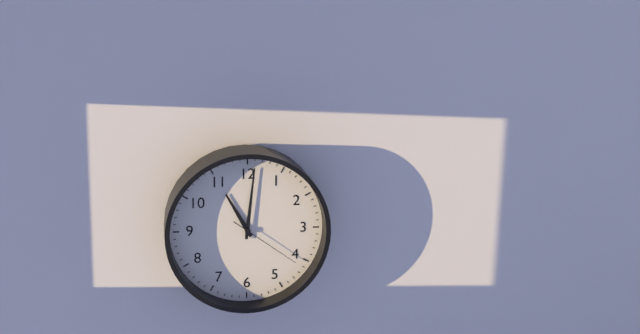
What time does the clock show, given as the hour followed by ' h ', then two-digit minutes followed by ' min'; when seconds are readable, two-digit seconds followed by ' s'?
11 h 01 min 21 s
